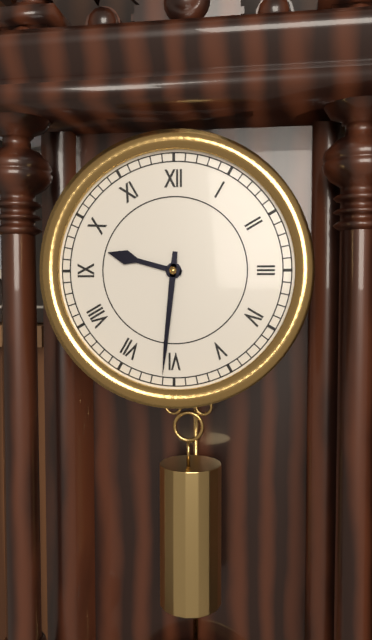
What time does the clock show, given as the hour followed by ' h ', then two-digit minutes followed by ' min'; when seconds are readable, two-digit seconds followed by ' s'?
9 h 31 min
